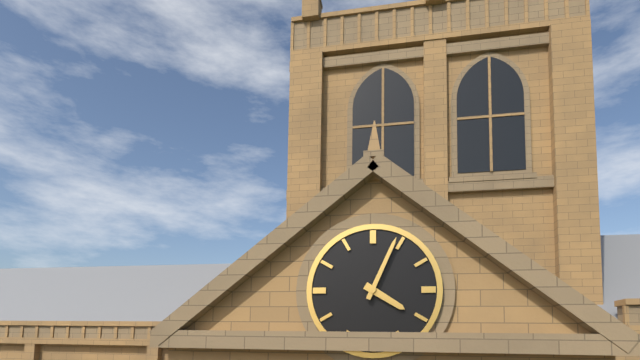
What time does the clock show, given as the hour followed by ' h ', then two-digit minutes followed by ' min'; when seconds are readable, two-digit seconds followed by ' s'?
4 h 04 min
